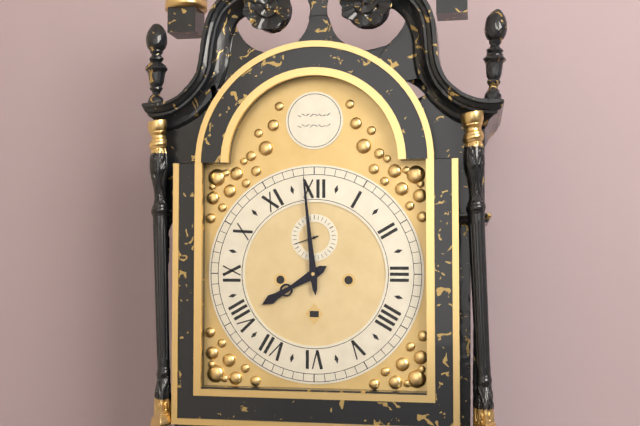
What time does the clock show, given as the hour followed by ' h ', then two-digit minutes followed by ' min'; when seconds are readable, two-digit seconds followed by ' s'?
7 h 59 min
